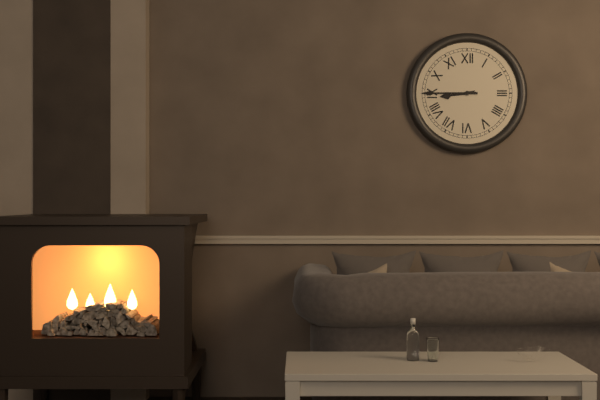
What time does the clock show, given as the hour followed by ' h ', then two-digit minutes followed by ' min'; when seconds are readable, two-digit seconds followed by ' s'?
8 h 45 min
